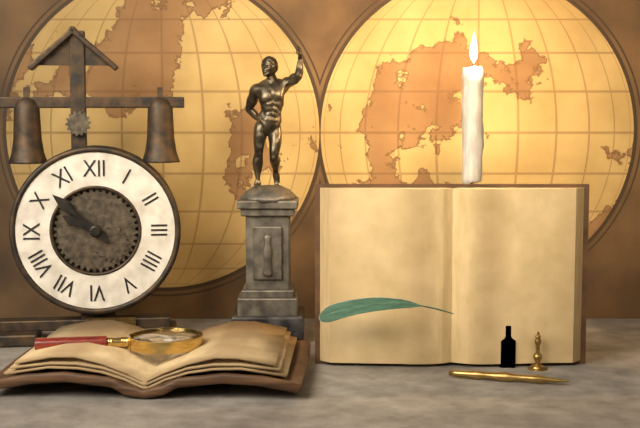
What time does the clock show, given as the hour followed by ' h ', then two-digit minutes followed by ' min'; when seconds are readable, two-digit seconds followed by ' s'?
9 h 52 min
